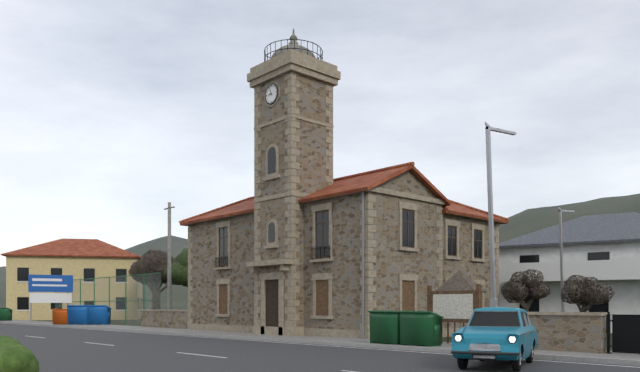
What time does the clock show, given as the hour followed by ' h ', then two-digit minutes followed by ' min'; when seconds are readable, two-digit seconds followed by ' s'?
8 h 57 min
